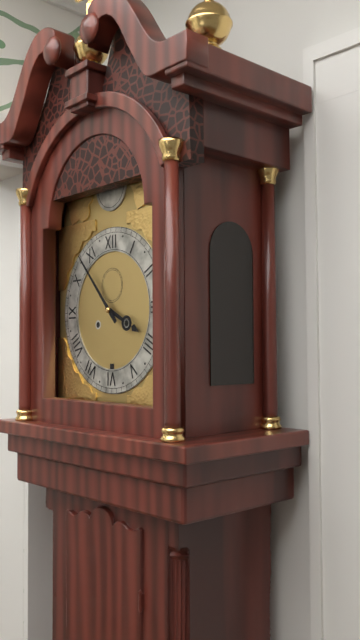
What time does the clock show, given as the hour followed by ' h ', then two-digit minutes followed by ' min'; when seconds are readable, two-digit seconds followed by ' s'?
3 h 53 min
